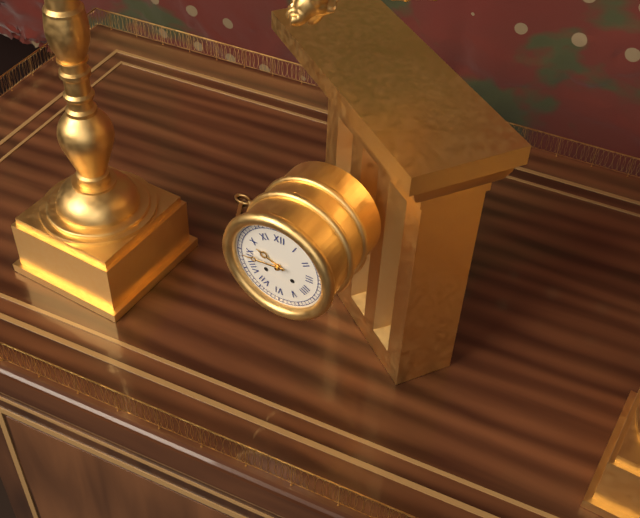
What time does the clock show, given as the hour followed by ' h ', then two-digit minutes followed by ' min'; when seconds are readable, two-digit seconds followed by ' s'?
9 h 44 min
